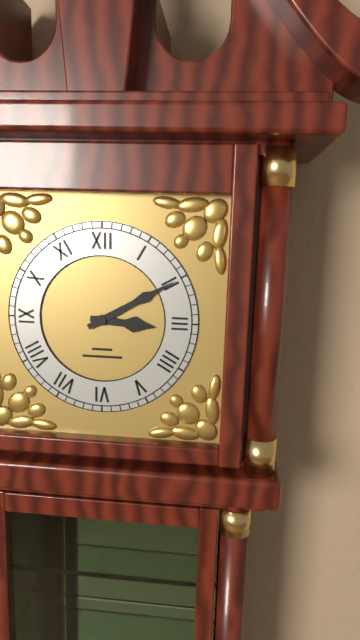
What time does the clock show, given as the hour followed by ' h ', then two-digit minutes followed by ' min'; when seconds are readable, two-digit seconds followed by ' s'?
3 h 10 min
